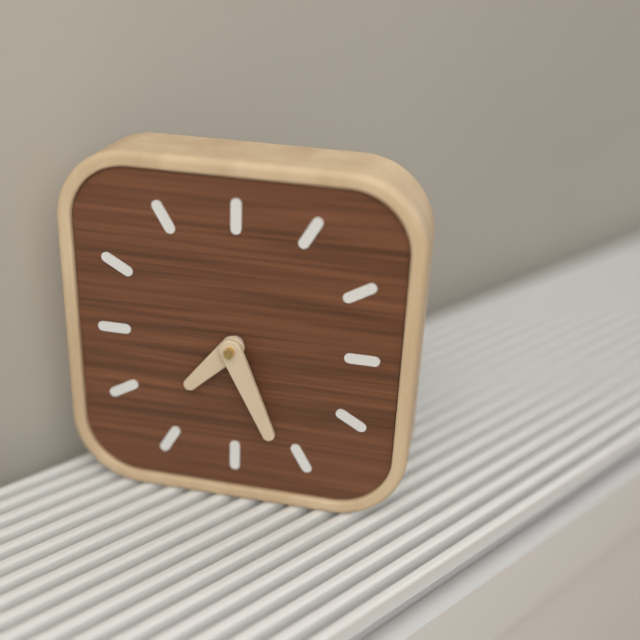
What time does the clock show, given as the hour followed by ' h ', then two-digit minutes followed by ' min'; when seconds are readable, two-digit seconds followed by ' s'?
7 h 26 min
